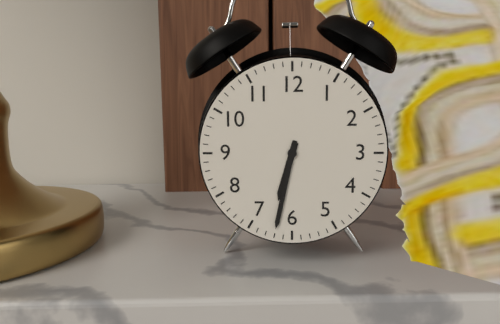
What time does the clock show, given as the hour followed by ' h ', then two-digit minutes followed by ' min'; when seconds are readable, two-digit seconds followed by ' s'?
6 h 32 min
